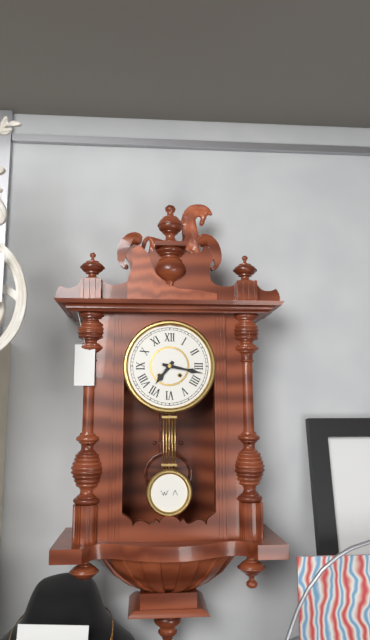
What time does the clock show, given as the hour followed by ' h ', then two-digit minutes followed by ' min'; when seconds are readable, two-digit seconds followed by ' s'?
7 h 17 min
